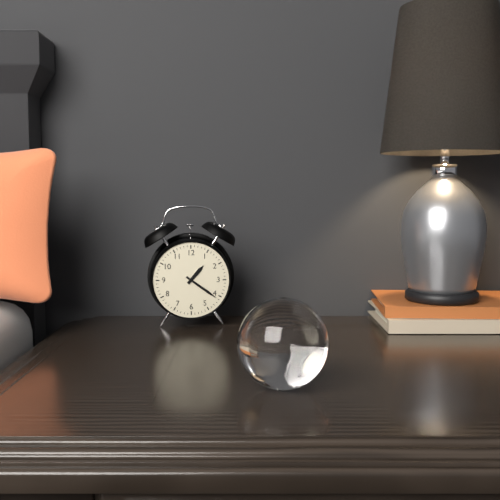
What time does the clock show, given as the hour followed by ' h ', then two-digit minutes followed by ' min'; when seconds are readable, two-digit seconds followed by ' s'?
1 h 21 min
